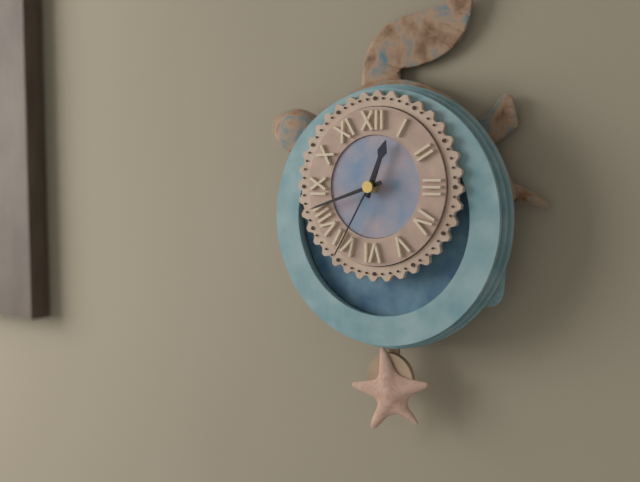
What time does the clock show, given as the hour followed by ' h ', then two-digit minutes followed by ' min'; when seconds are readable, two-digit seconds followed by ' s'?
12 h 42 min 35 s
